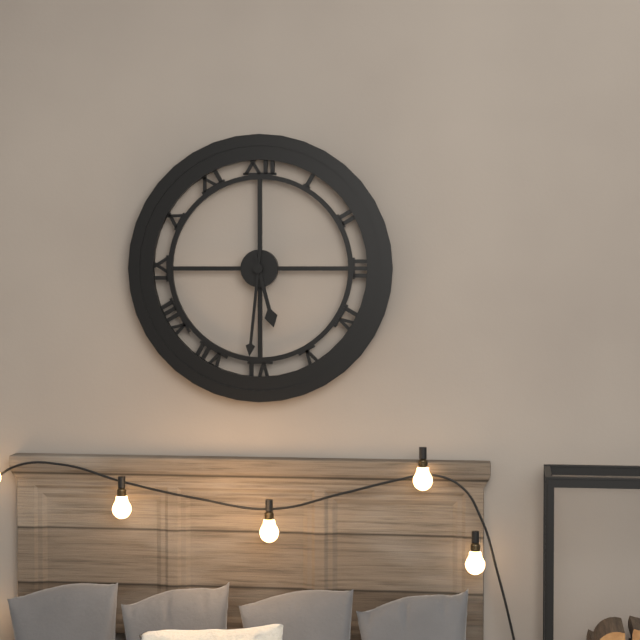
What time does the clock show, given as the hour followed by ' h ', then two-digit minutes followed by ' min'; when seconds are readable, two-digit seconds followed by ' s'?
5 h 31 min
